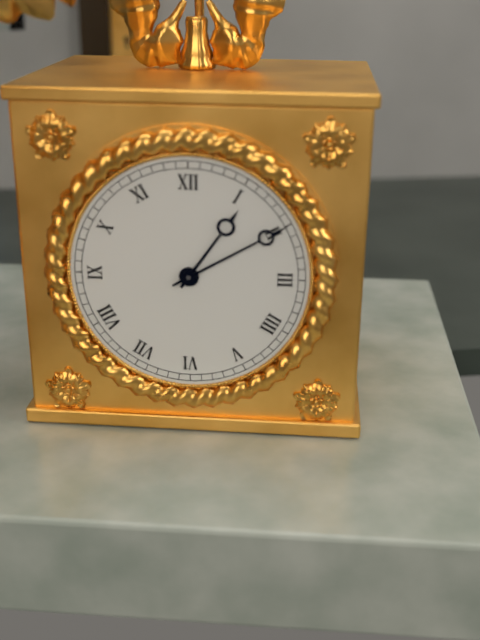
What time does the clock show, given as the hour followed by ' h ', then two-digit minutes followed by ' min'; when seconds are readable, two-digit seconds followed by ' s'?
1 h 10 min
